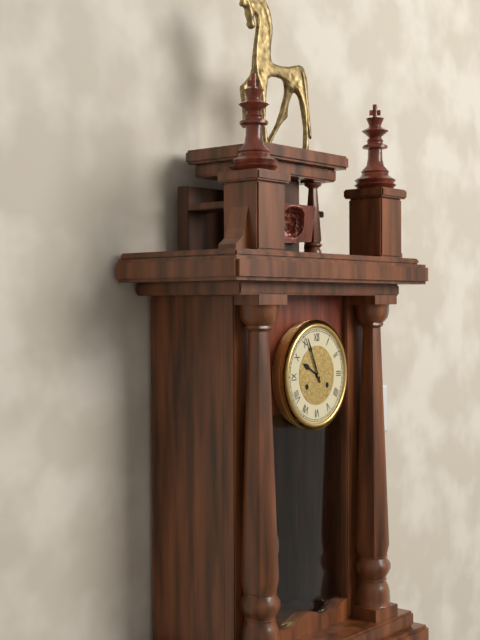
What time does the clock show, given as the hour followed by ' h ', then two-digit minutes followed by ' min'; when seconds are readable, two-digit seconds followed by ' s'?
9 h 56 min
